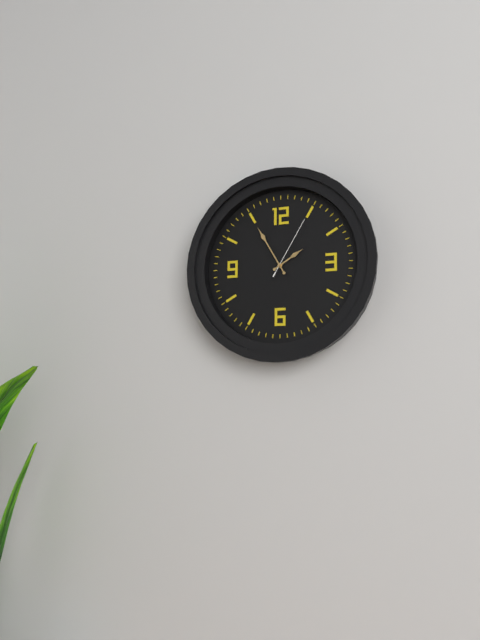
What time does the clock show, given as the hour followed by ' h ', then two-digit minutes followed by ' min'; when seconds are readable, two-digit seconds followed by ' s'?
1 h 55 min 05 s
